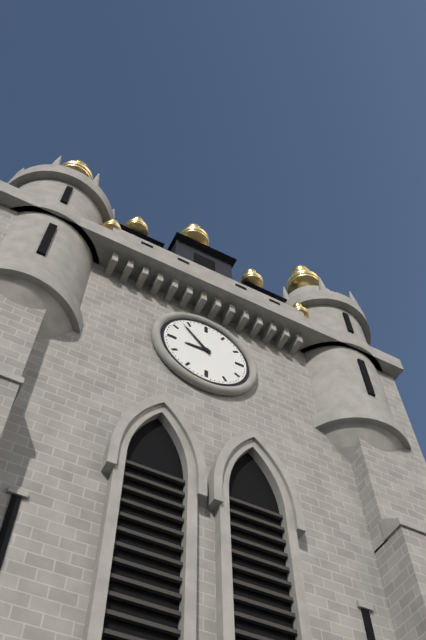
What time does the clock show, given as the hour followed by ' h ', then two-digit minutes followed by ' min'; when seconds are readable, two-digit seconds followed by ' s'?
8 h 53 min
